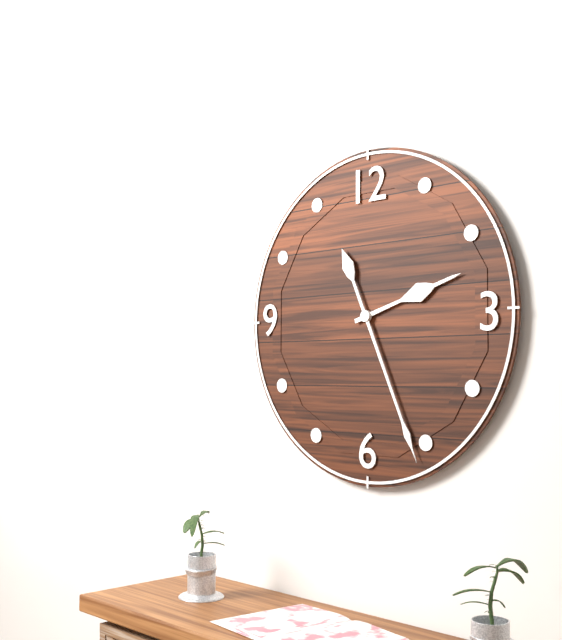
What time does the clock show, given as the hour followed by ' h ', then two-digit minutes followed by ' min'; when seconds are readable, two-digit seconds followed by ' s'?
2 h 26 min
